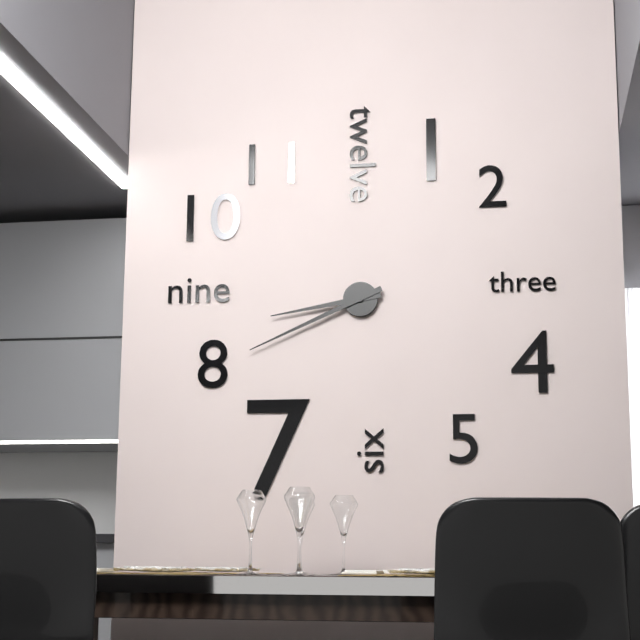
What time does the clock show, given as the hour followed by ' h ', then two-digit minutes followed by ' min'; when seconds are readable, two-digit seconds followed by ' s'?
8 h 41 min
